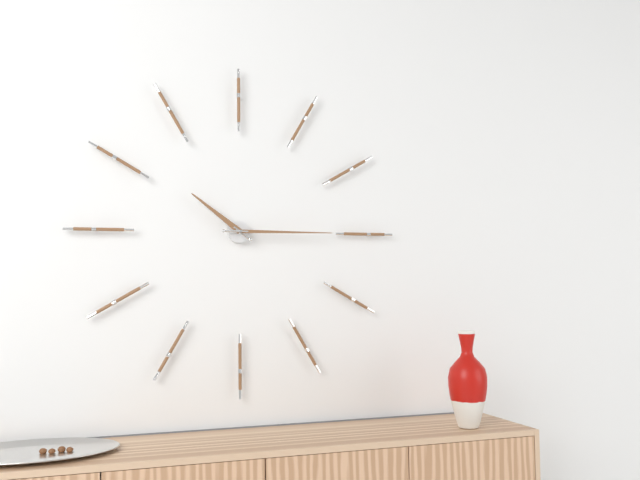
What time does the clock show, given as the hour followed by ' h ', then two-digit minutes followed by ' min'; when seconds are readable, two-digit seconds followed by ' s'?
10 h 15 min
